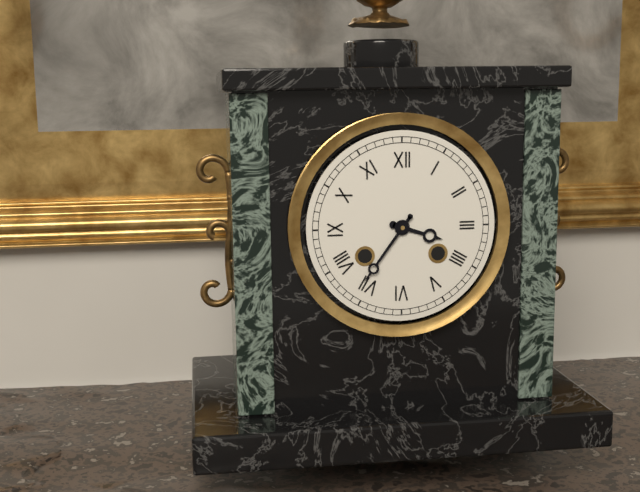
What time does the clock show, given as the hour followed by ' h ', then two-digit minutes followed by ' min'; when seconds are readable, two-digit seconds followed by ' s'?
3 h 36 min
